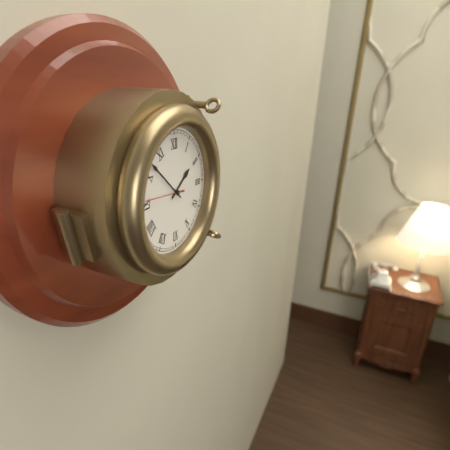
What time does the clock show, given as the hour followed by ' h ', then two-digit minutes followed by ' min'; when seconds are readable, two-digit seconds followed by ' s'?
1 h 52 min
